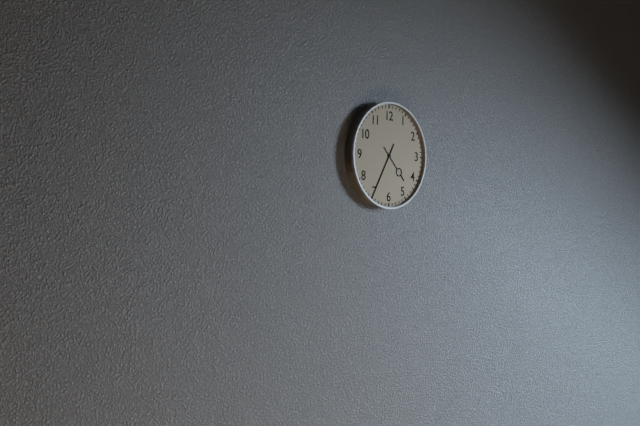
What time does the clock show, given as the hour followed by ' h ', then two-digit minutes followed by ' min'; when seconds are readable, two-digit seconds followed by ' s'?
4 h 35 min
